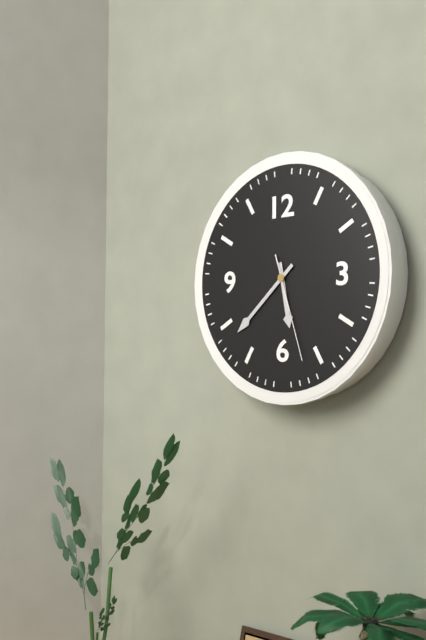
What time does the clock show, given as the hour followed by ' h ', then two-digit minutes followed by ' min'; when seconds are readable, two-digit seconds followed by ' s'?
5 h 38 min 27 s
